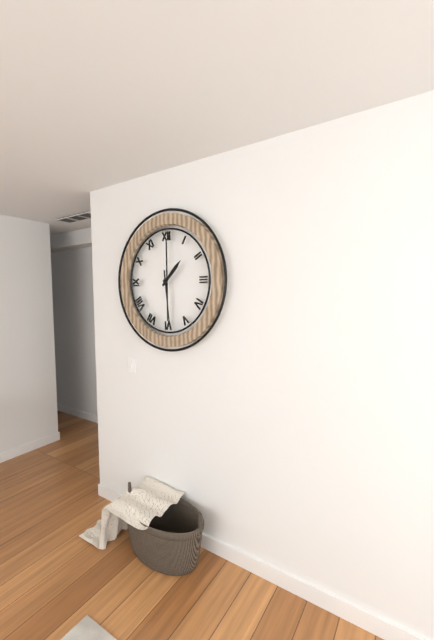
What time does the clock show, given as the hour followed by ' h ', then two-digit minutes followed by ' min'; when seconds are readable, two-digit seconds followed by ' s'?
1 h 29 min
